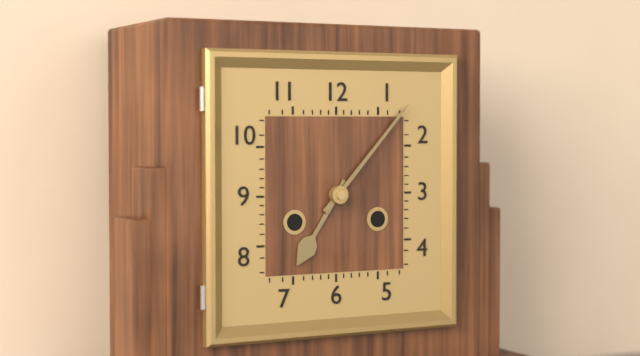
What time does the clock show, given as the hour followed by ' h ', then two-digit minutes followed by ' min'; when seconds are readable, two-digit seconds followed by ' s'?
7 h 07 min
